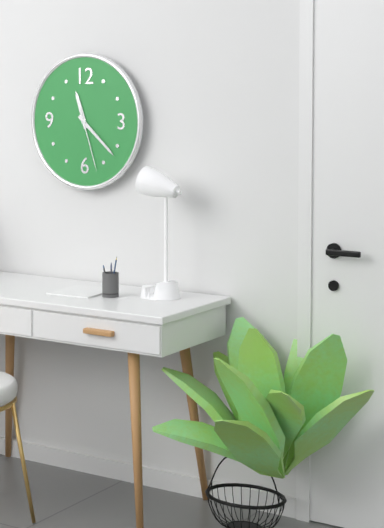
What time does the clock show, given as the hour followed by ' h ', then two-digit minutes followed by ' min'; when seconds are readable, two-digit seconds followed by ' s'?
11 h 22 min 27 s
